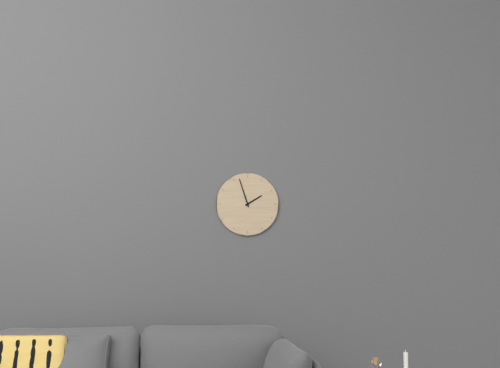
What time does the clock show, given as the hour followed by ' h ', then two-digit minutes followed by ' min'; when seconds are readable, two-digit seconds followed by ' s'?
1 h 57 min
